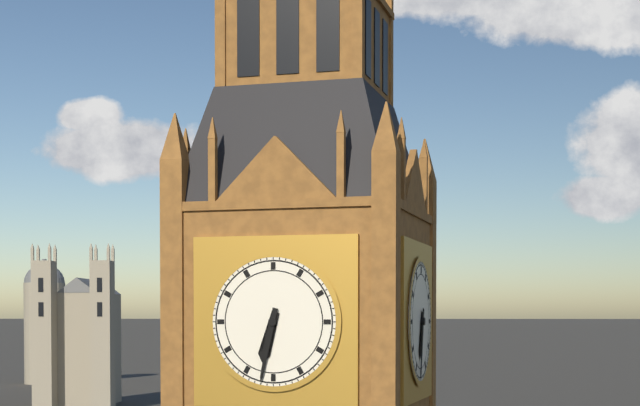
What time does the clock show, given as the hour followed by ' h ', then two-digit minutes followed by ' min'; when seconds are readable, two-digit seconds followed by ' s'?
6 h 32 min
